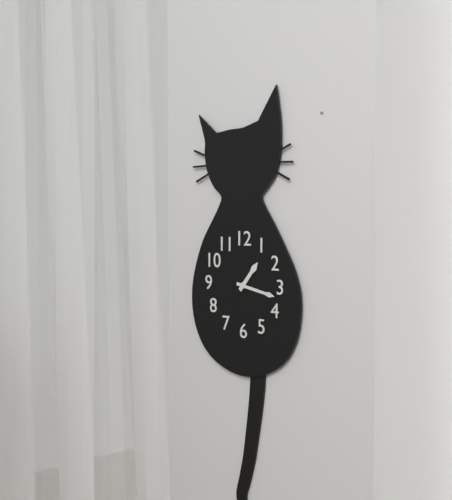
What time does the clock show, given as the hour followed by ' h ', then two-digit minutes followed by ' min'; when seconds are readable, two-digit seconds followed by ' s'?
1 h 17 min
